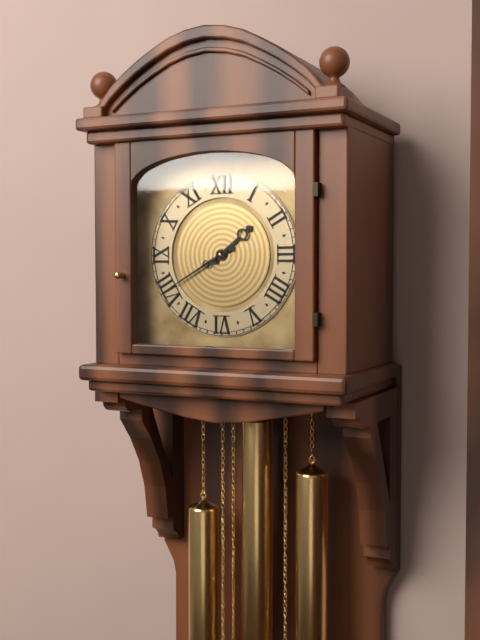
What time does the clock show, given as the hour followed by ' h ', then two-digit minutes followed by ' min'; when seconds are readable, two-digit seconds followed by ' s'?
1 h 40 min
